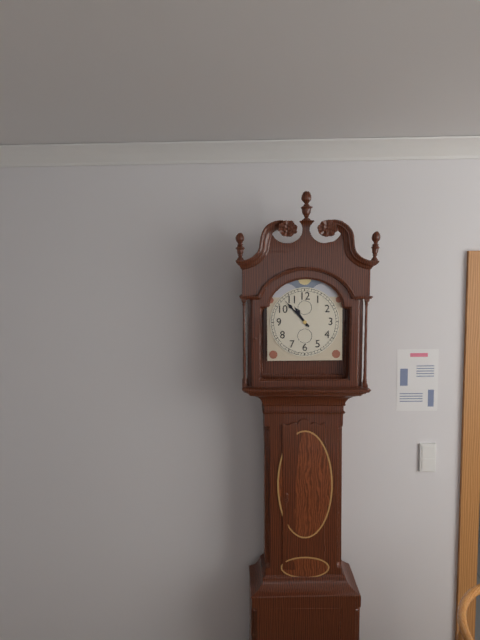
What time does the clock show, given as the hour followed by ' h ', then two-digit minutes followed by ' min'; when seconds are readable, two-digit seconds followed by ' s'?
10 h 53 min
